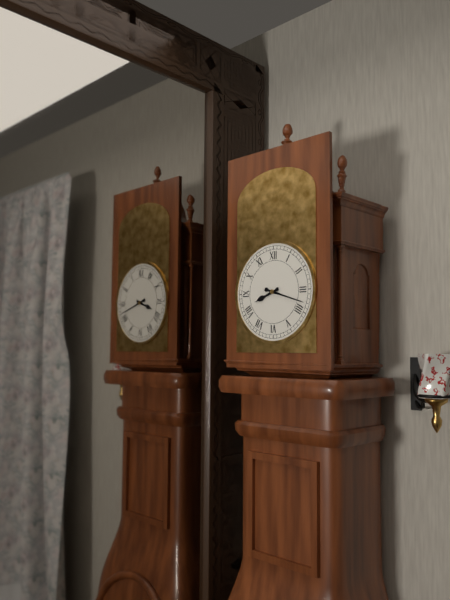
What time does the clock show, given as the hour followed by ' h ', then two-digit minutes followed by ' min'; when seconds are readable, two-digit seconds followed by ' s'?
8 h 18 min
